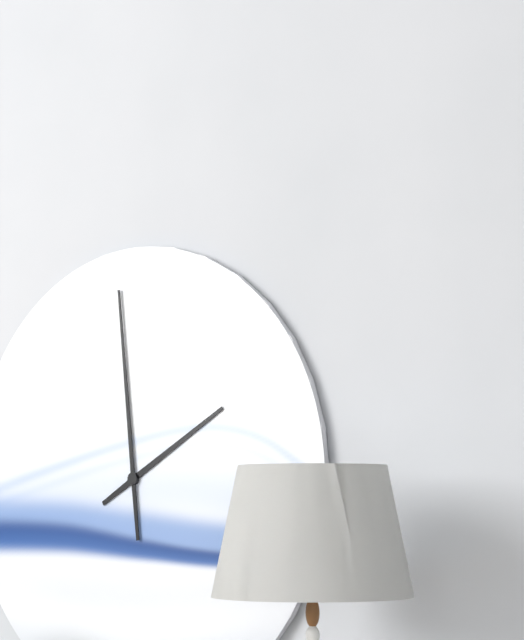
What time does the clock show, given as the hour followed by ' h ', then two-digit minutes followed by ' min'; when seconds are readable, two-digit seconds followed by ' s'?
1 h 59 min
